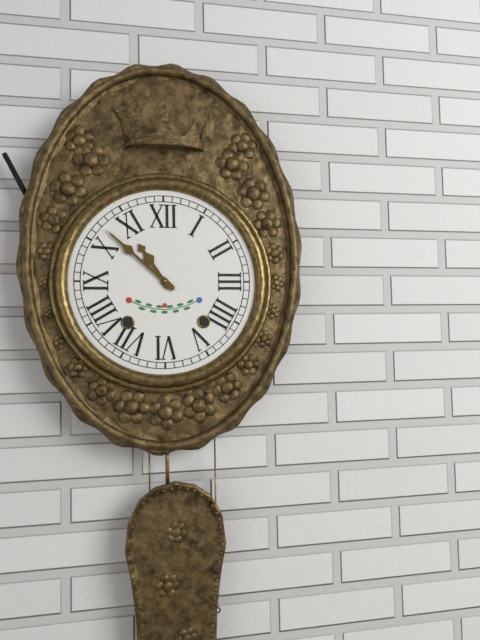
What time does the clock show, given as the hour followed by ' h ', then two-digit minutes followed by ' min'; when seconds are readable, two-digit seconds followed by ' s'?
10 h 52 min
